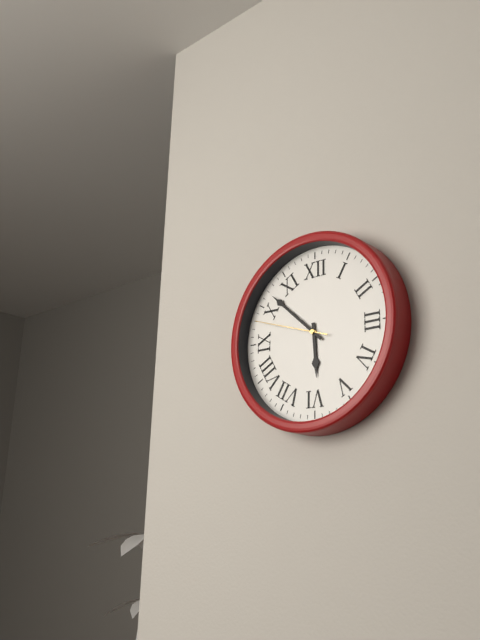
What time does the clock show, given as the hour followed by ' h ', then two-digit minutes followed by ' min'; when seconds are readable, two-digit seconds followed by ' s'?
5 h 52 min 48 s
